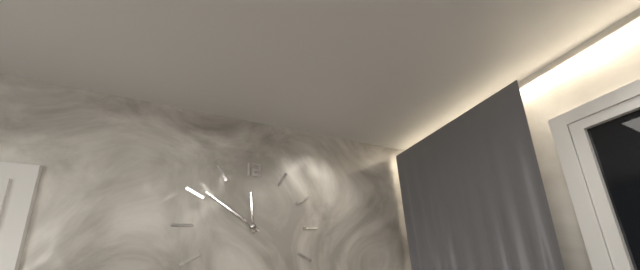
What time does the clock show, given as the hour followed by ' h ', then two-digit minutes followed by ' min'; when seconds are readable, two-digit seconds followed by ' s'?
11 h 51 min
